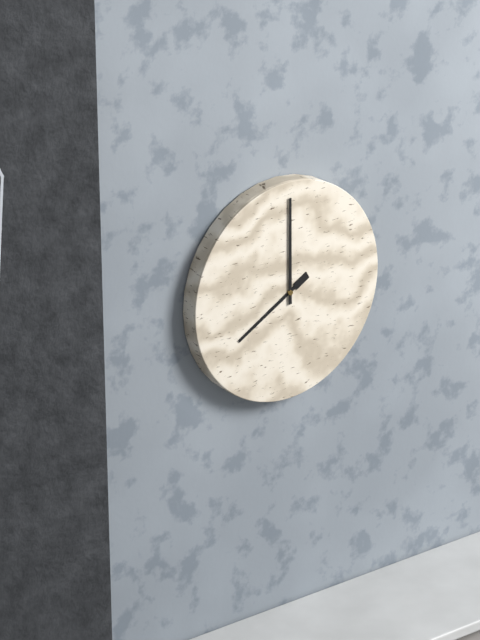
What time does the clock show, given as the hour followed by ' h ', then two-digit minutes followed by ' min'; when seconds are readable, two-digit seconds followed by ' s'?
8 h 00 min
